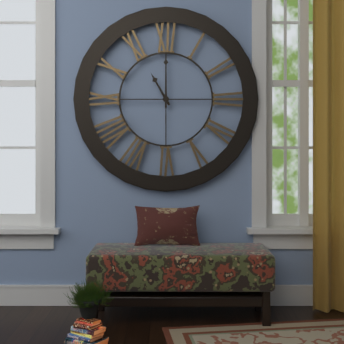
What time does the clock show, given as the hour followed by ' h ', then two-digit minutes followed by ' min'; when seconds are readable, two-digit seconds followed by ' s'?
11 h 00 min
